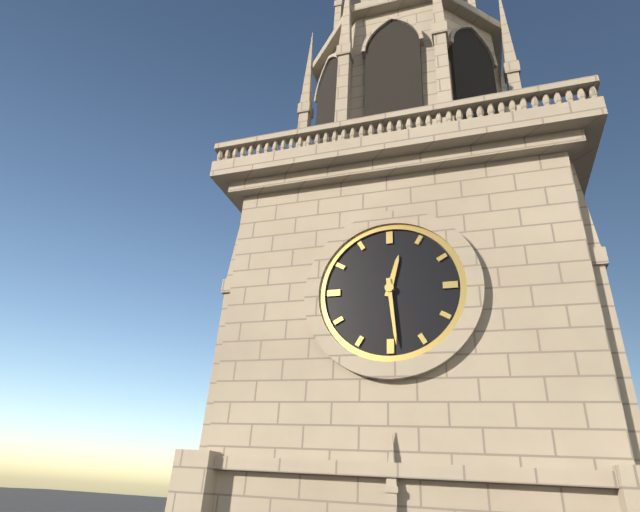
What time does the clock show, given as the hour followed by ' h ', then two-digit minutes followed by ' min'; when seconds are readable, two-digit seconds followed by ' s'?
12 h 29 min
